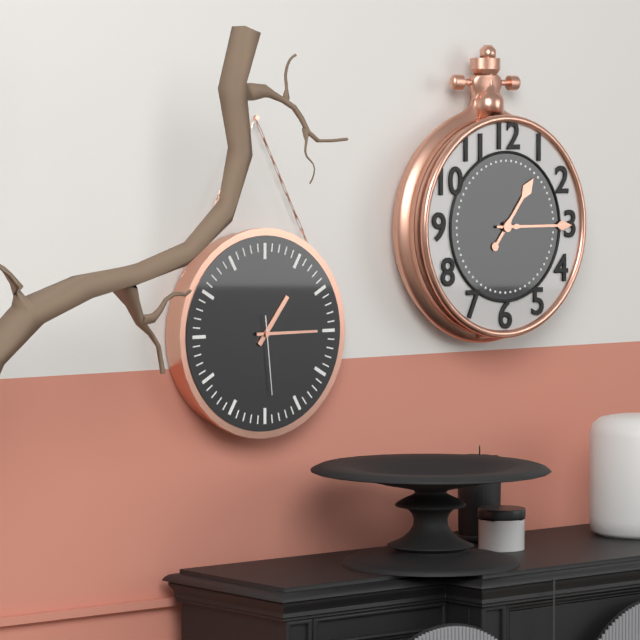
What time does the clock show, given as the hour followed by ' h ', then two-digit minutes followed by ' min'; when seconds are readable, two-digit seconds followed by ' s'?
1 h 15 min 29 s
